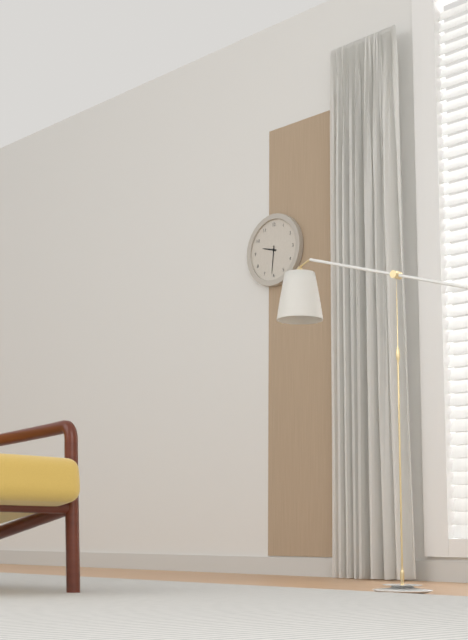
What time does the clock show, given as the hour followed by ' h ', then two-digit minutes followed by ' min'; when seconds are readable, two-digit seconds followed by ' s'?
9 h 31 min
